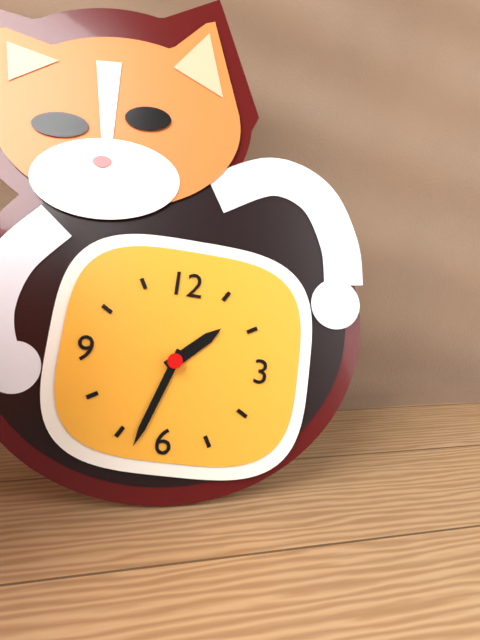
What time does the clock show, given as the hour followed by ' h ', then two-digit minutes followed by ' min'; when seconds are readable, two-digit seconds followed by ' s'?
1 h 33 min
